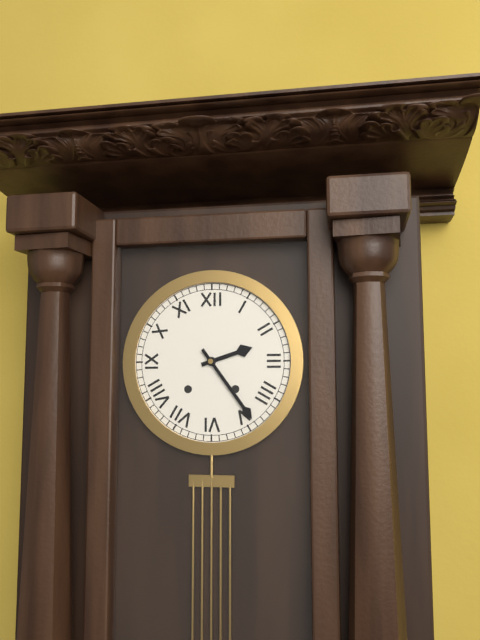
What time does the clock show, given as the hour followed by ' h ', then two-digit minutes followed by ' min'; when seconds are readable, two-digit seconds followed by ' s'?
2 h 24 min
